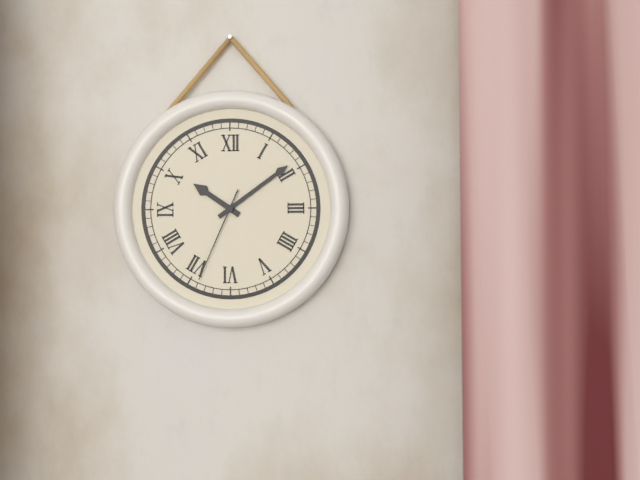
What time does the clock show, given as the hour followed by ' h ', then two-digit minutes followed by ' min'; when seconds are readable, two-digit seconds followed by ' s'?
10 h 09 min 34 s
